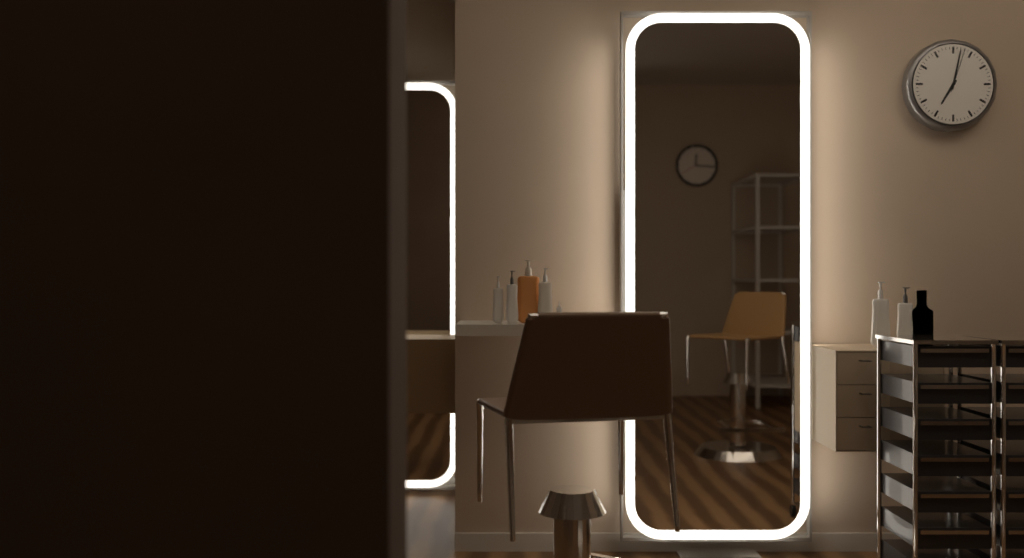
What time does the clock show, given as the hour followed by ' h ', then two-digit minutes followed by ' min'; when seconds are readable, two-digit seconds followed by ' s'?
7 h 02 min
